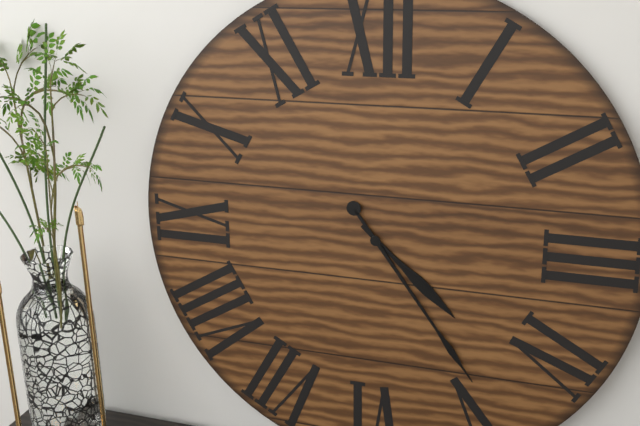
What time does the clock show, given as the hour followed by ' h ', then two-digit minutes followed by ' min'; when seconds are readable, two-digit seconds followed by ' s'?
4 h 24 min
